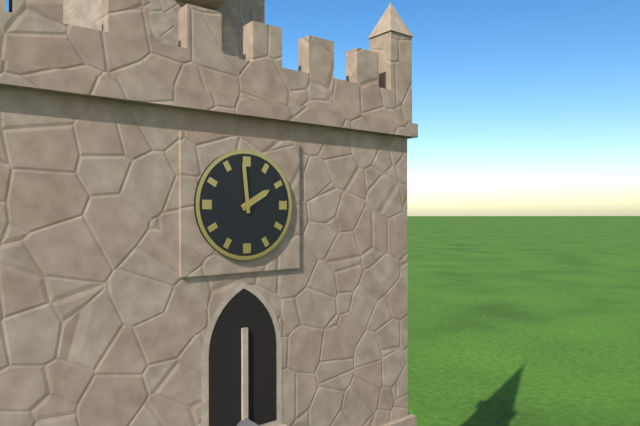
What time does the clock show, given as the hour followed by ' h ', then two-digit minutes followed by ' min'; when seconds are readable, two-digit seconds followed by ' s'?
1 h 59 min
